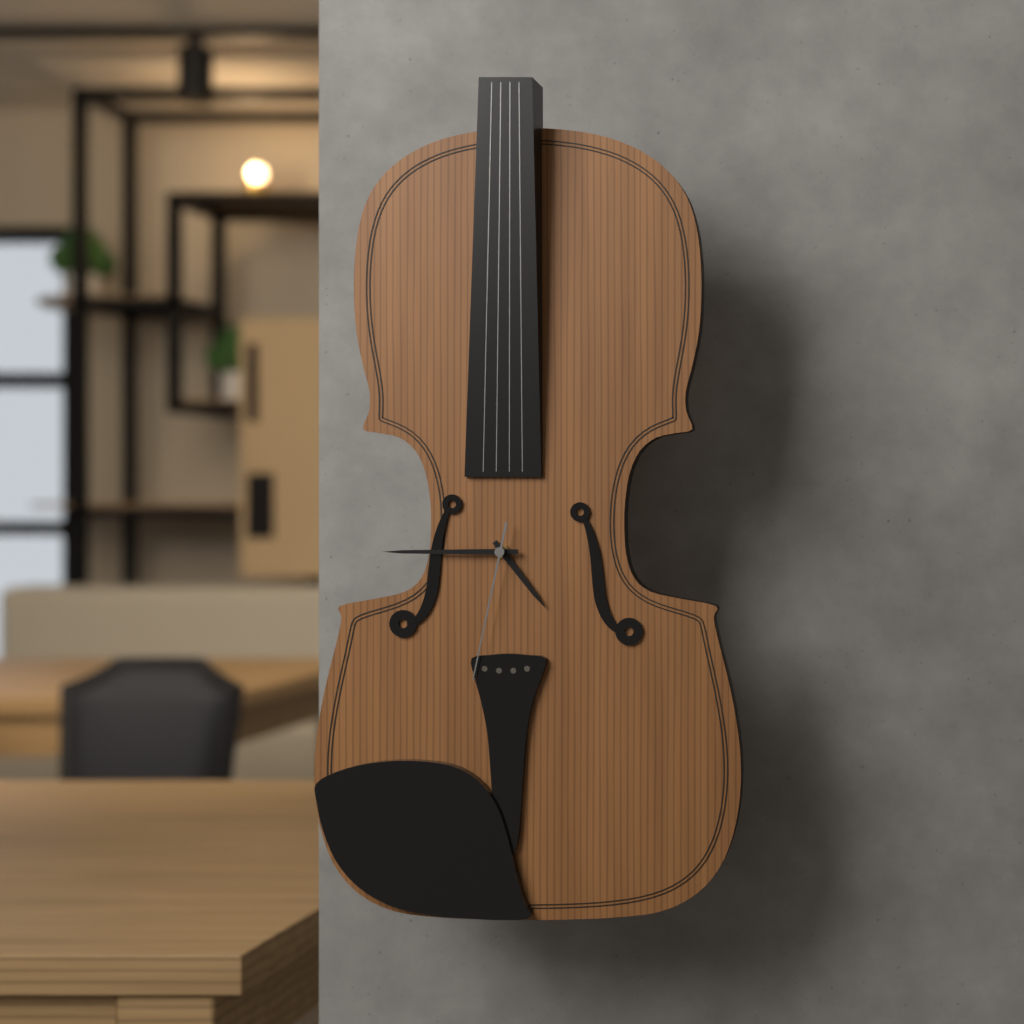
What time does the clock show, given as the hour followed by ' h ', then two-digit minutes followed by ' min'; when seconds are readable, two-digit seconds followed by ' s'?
4 h 45 min 32 s
